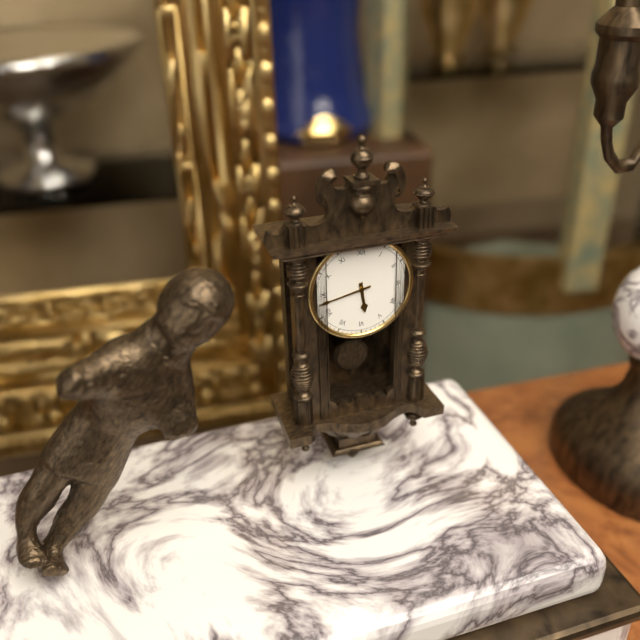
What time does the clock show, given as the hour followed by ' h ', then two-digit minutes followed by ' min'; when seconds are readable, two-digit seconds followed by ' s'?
5 h 43 min
